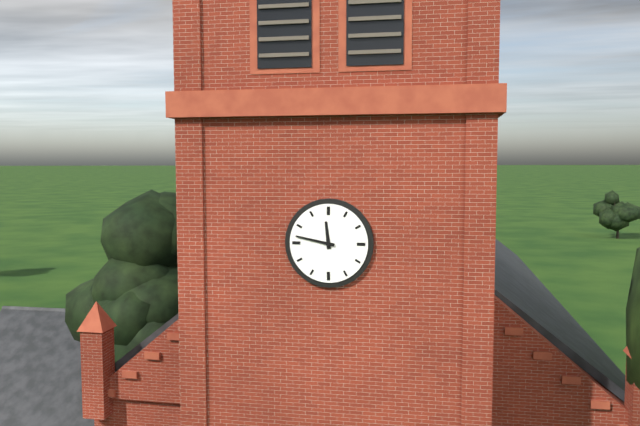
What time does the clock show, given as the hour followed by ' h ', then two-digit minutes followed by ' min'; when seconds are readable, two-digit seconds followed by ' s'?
11 h 47 min
